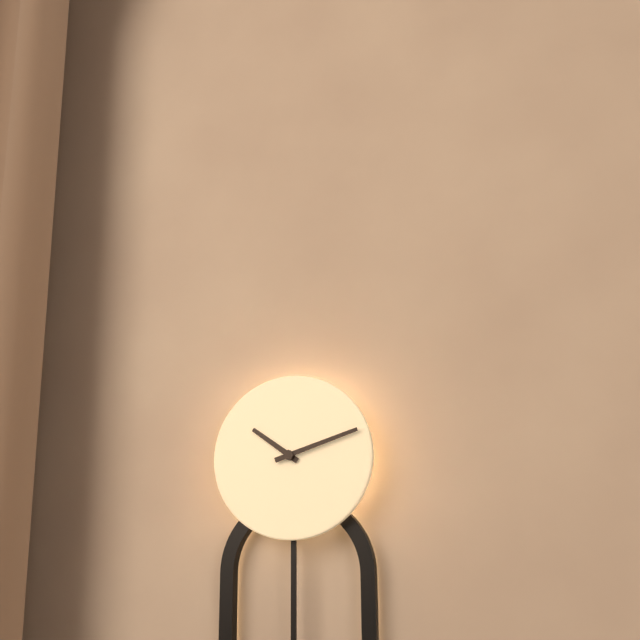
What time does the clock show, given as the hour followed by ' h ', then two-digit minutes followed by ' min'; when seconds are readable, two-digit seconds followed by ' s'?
10 h 12 min
